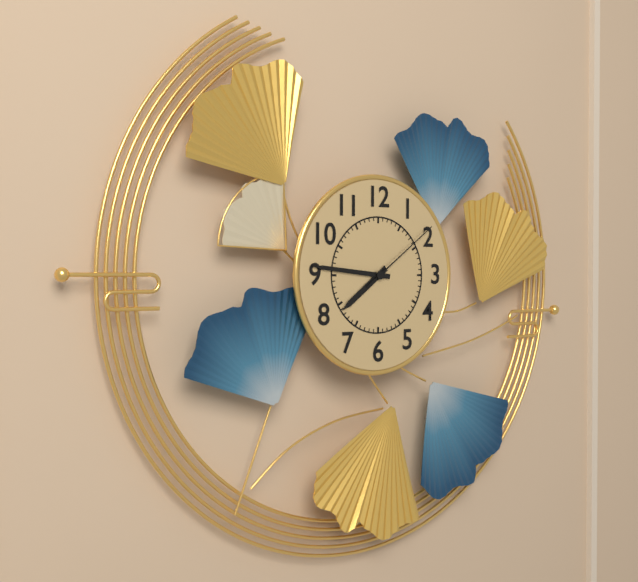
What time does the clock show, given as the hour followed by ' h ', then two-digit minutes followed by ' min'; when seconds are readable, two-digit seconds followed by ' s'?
7 h 46 min 09 s
